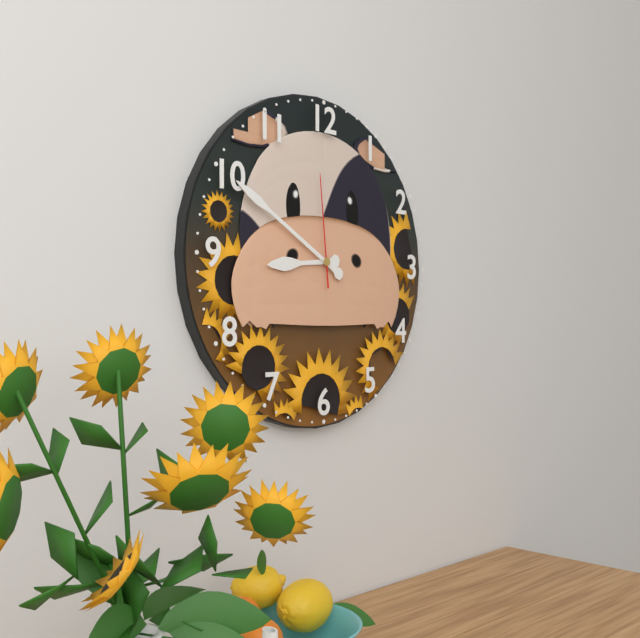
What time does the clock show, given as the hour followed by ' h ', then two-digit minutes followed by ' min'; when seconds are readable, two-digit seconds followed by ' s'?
8 h 50 min 59 s
